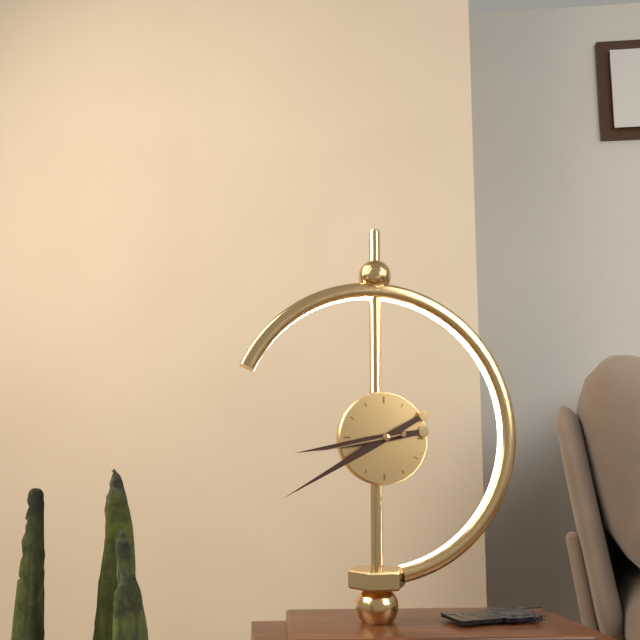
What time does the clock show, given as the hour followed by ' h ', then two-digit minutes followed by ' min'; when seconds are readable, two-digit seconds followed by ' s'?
8 h 40 min 43 s
